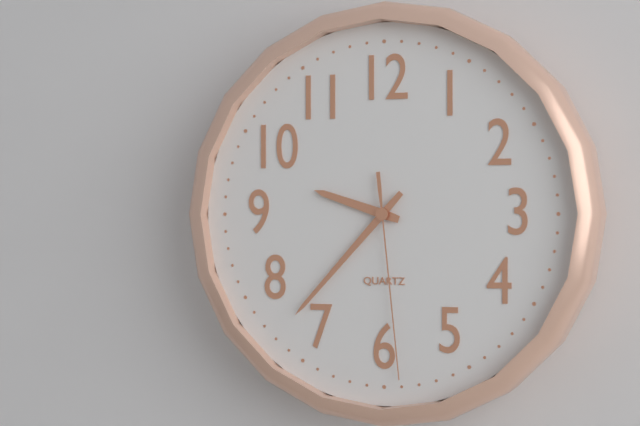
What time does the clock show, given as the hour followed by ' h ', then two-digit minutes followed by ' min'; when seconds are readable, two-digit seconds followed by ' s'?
9 h 37 min 29 s
